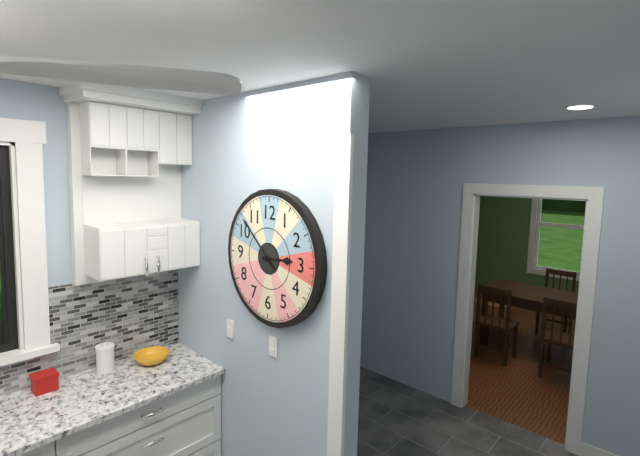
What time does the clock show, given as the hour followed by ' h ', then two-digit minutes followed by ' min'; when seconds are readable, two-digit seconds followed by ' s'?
2 h 52 min
